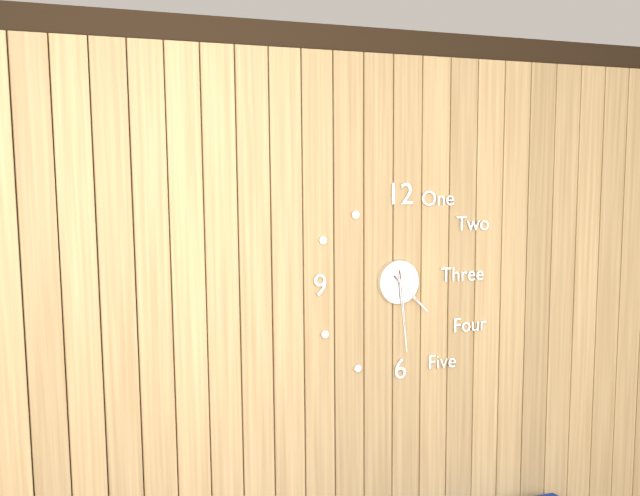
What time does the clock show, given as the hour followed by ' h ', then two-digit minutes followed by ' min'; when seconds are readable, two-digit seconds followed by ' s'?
4 h 29 min
